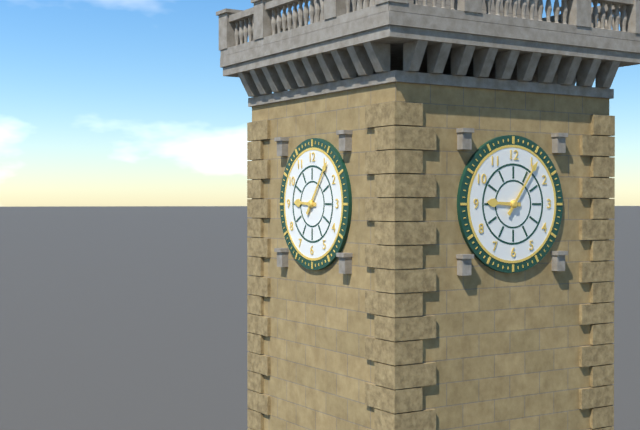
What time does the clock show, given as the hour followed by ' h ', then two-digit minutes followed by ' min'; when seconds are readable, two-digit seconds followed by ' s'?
9 h 06 min
